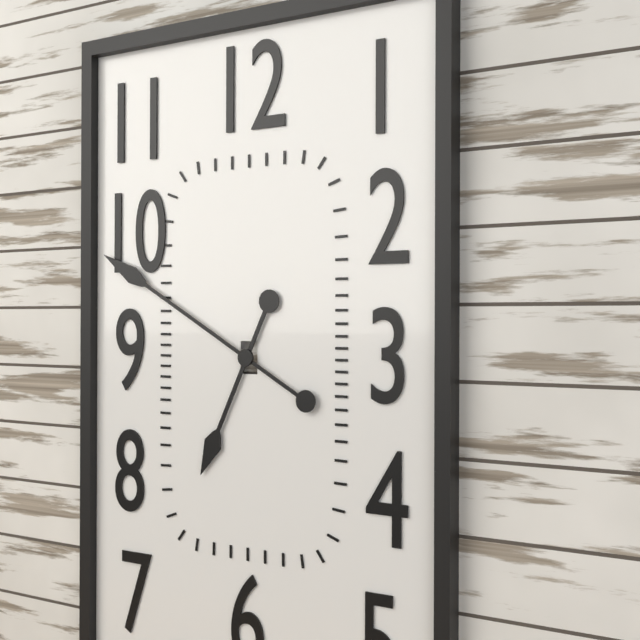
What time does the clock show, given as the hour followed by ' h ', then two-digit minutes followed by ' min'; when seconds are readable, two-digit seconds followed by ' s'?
6 h 50 min
